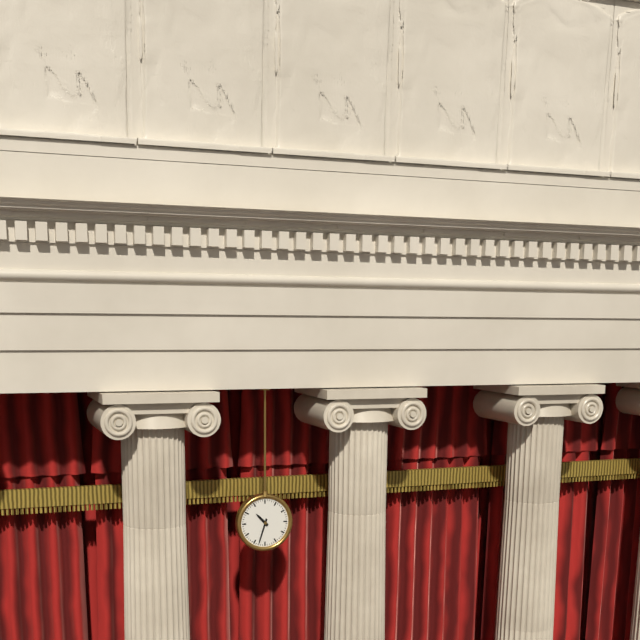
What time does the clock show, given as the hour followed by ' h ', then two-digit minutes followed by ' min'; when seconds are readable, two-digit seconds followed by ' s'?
10 h 33 min
